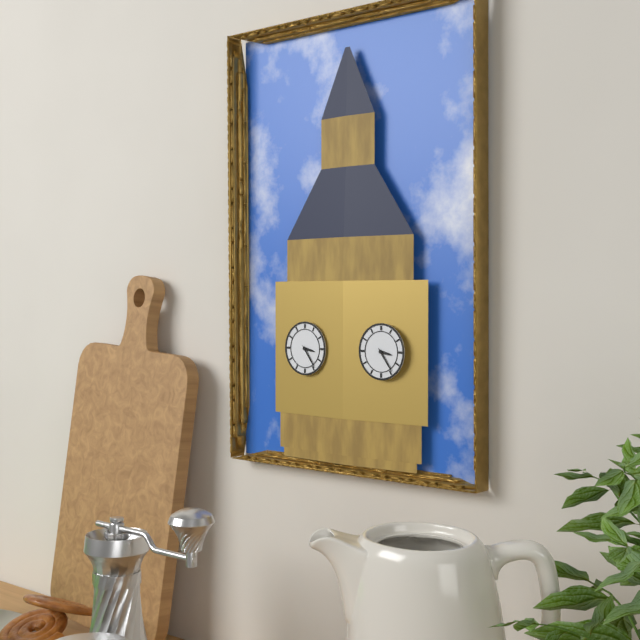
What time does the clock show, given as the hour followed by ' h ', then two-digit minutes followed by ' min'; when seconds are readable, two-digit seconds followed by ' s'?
3 h 24 min
